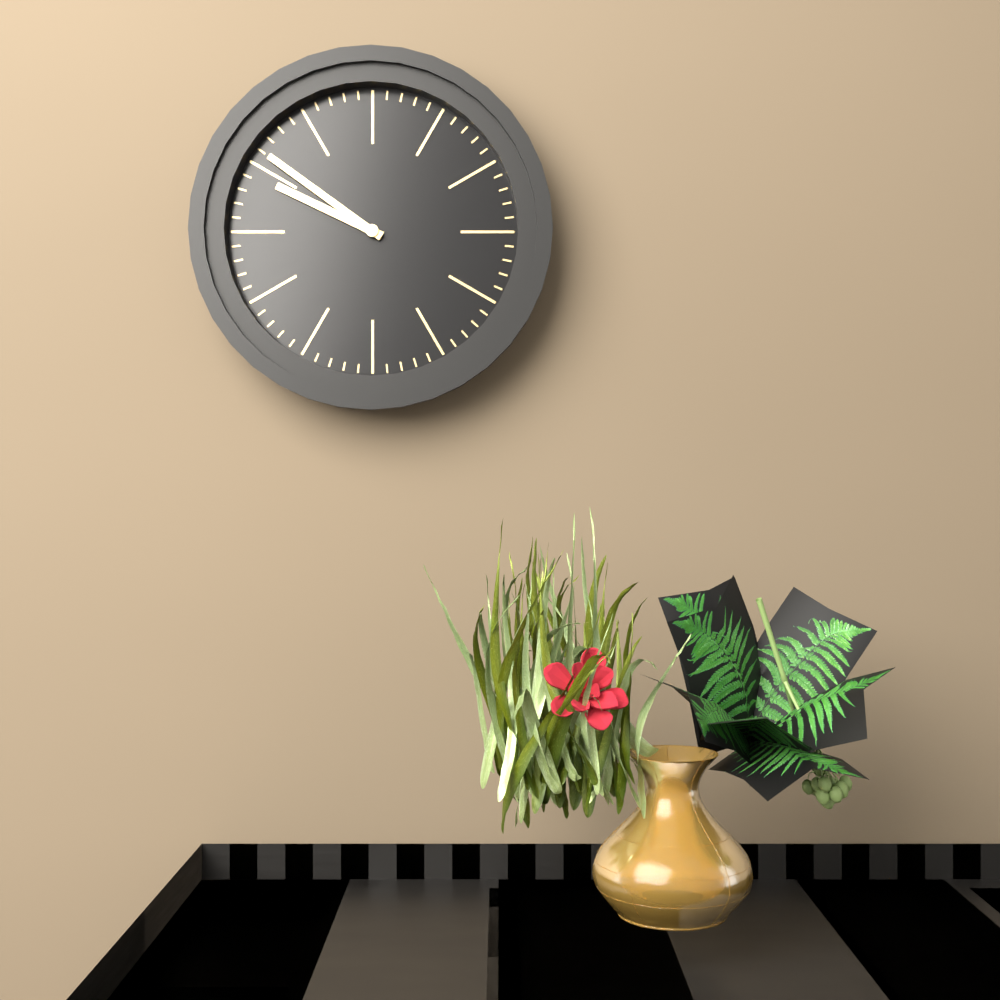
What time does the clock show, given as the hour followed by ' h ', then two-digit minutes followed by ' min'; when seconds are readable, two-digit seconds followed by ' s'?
9 h 51 min
